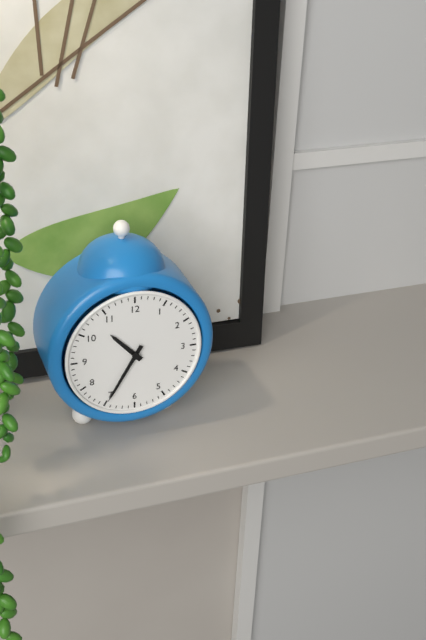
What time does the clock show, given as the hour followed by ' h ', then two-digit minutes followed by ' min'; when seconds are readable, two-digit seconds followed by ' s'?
10 h 35 min
